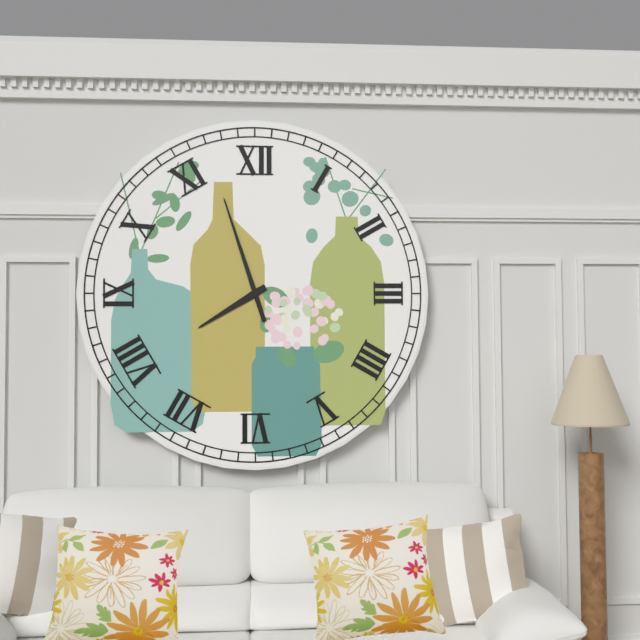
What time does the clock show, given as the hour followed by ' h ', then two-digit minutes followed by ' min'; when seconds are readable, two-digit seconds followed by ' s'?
7 h 57 min
